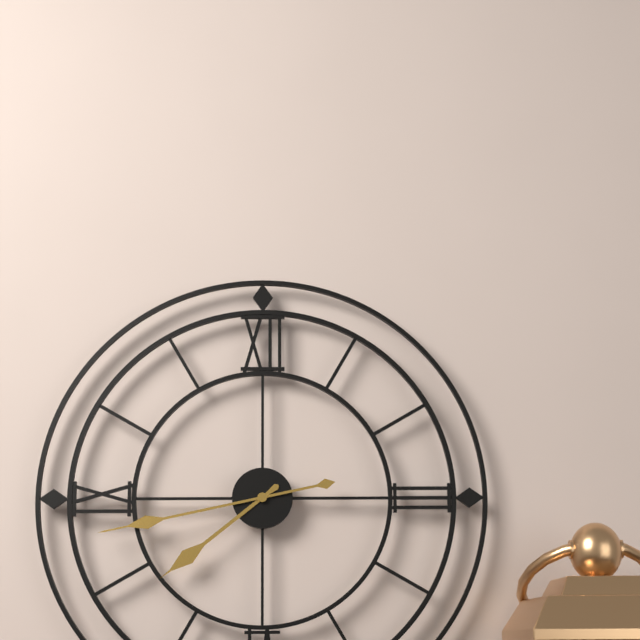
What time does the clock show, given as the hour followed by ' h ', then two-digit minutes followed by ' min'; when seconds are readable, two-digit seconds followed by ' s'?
7 h 43 min
